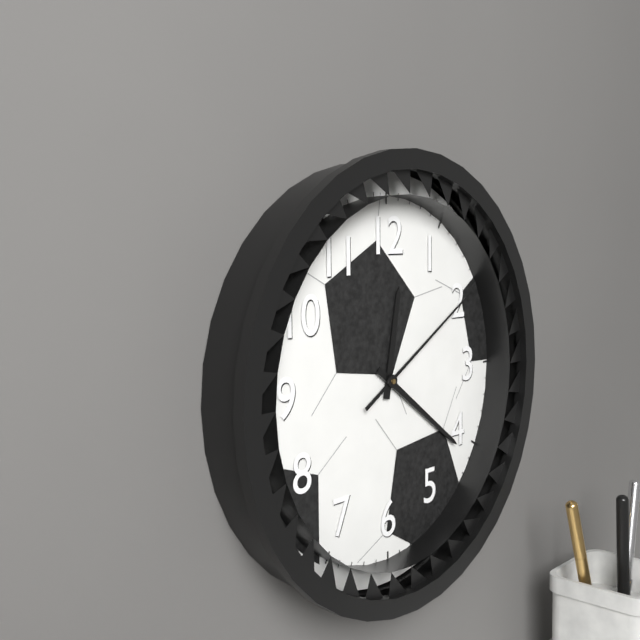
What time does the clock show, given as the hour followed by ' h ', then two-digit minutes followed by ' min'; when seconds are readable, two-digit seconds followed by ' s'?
12 h 21 min 10 s
